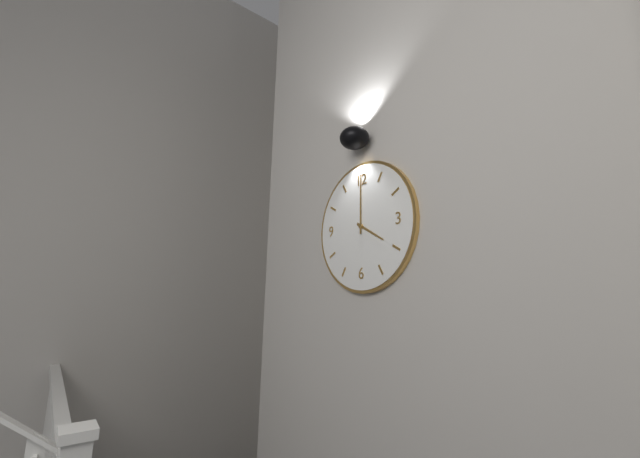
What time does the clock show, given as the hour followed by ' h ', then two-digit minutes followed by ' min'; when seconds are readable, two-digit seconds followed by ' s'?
4 h 00 min
